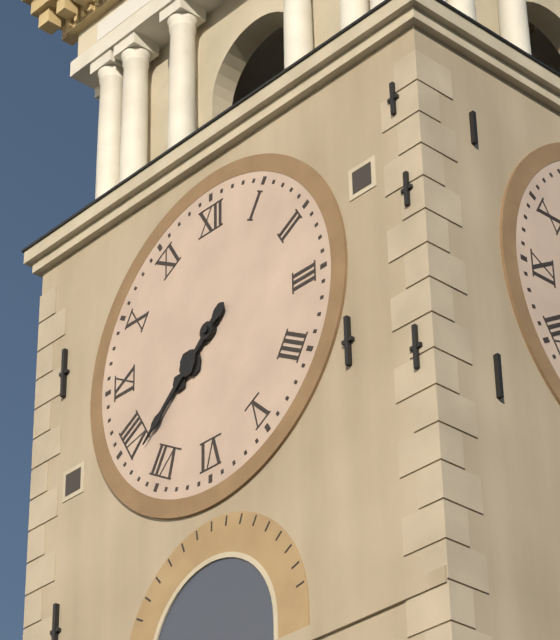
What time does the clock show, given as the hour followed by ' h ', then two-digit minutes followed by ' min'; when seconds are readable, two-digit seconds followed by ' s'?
7 h 38 min
